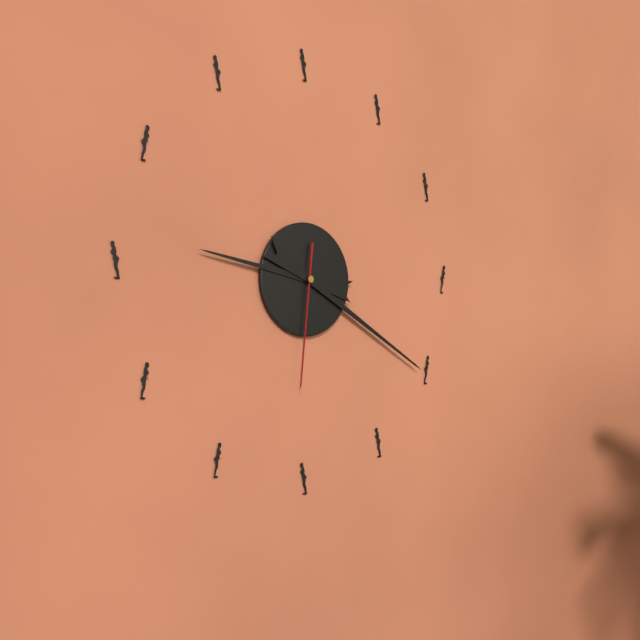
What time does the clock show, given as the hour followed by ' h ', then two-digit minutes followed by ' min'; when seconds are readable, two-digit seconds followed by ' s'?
9 h 20 min 31 s
